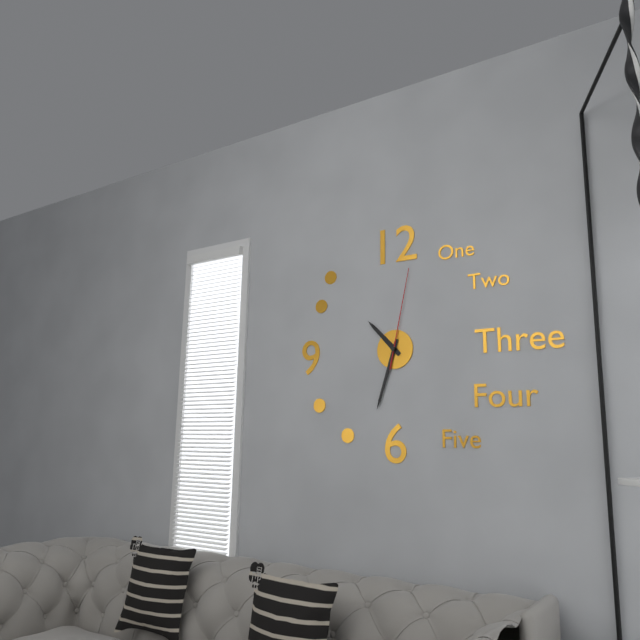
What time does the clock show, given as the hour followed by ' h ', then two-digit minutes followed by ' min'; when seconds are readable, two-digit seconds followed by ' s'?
10 h 33 min 02 s
